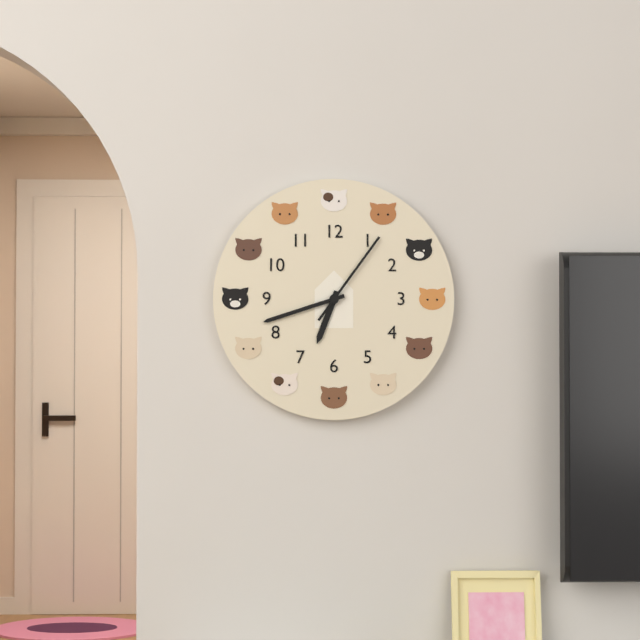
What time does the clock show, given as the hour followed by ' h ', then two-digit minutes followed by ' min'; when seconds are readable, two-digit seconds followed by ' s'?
6 h 42 min 06 s
